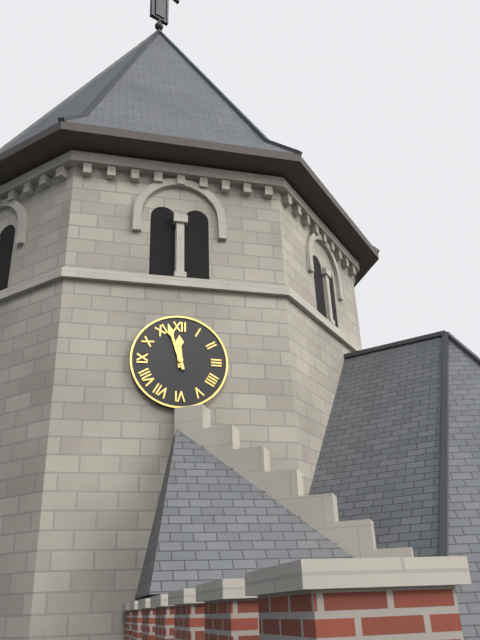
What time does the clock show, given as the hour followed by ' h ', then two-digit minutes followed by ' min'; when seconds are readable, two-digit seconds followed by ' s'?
11 h 57 min
